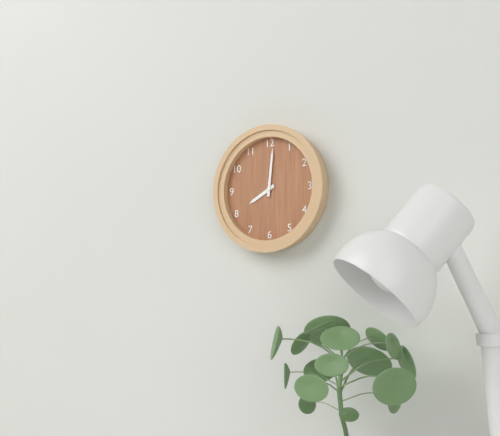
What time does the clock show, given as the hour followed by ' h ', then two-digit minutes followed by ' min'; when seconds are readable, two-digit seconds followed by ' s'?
8 h 01 min
